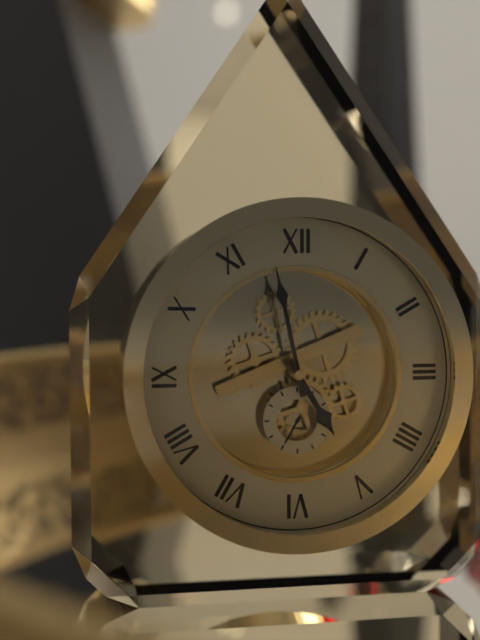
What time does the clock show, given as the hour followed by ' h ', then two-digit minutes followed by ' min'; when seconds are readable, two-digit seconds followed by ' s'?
4 h 58 min
